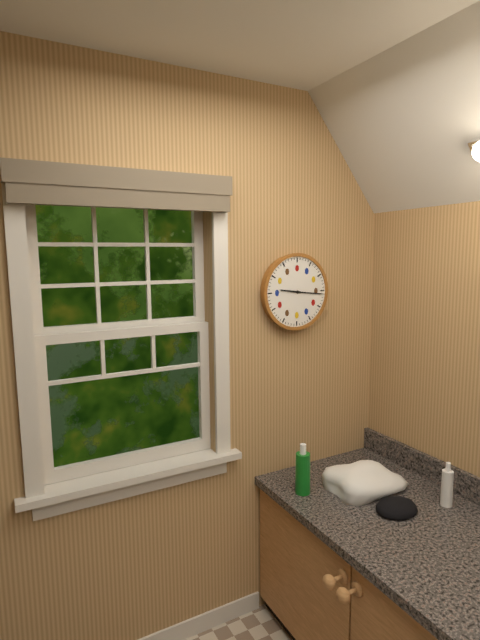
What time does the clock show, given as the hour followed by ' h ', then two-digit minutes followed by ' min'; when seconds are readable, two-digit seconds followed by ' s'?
9 h 16 min
